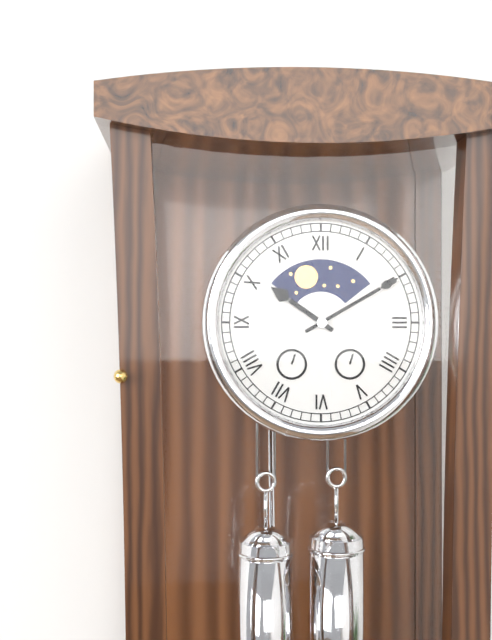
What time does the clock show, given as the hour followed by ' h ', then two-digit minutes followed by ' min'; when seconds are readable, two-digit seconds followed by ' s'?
10 h 10 min
